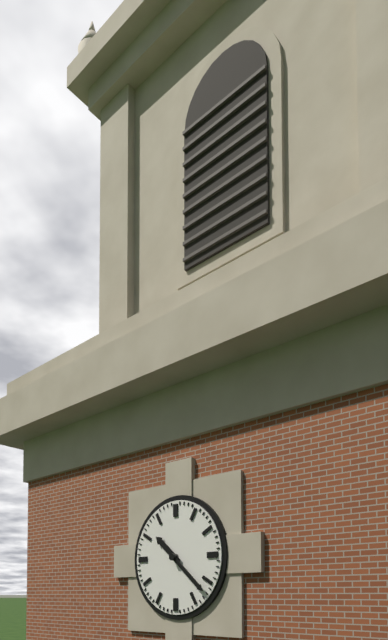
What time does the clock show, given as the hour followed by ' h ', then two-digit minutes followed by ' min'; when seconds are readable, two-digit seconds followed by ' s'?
10 h 22 min
